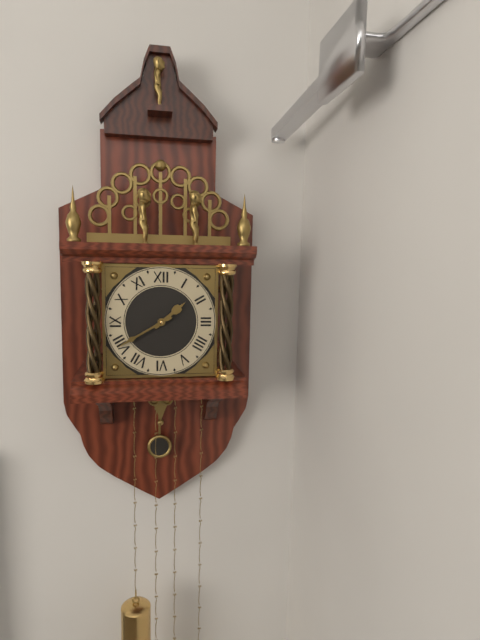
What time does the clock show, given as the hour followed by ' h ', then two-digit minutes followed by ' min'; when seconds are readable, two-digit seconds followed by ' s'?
1 h 40 min
